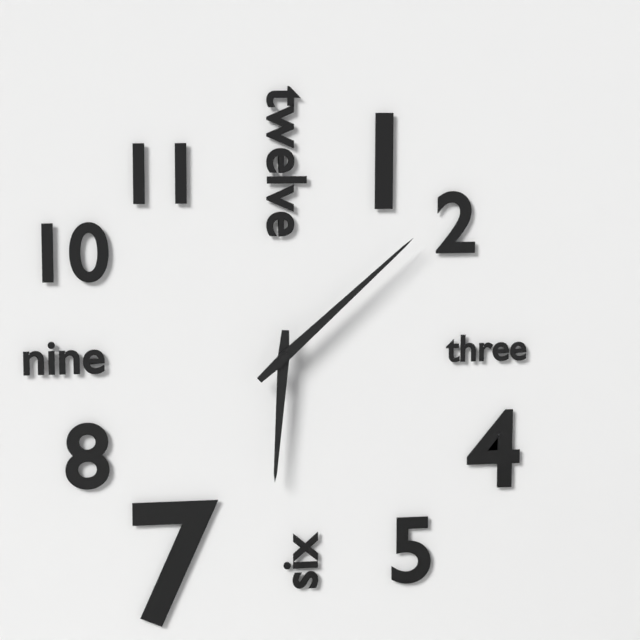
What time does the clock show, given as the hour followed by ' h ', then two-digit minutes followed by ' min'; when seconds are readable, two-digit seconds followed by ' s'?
6 h 08 min
